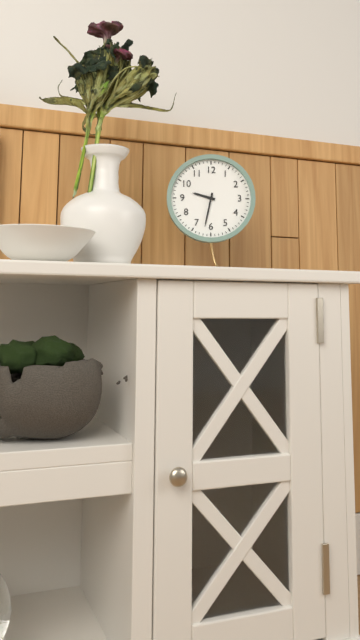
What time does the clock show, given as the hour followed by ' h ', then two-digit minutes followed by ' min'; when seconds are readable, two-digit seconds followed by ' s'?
9 h 32 min
